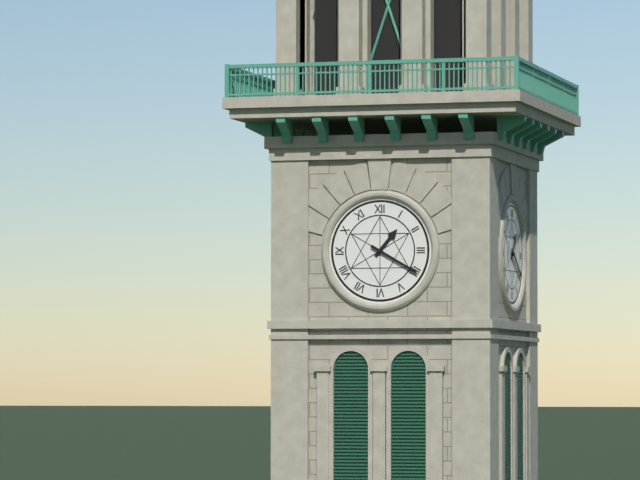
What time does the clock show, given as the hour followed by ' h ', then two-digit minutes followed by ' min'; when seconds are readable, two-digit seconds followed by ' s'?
1 h 20 min
